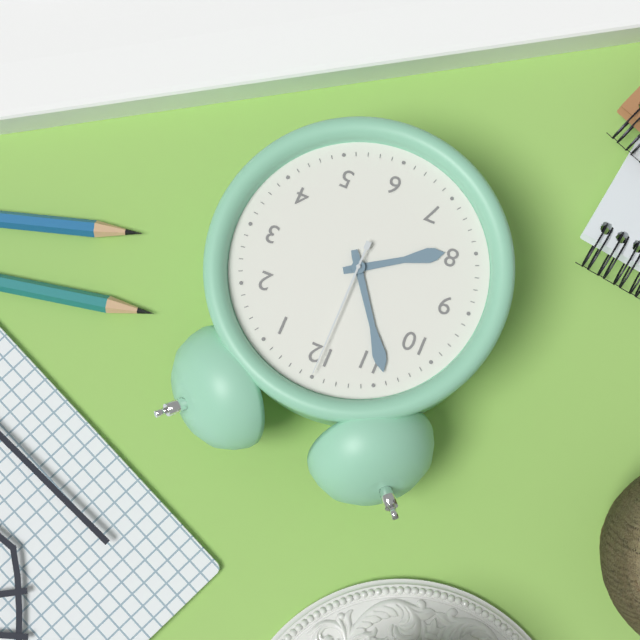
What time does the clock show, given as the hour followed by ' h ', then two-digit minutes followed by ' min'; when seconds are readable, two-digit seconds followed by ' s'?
7 h 54 min 00 s
